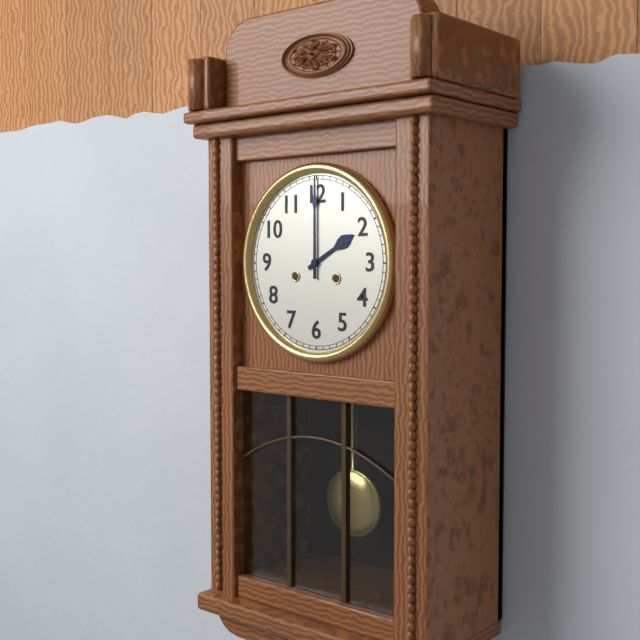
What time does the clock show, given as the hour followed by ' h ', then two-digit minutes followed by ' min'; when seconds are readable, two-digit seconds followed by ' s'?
2 h 00 min
